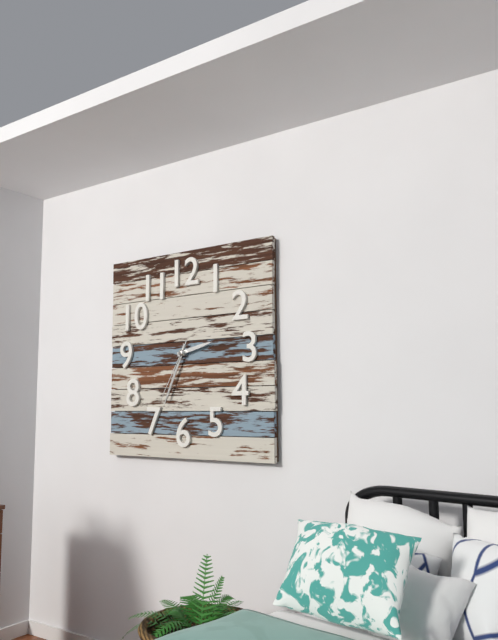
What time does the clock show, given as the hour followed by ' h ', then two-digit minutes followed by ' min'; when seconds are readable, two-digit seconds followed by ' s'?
2 h 34 min 35 s
